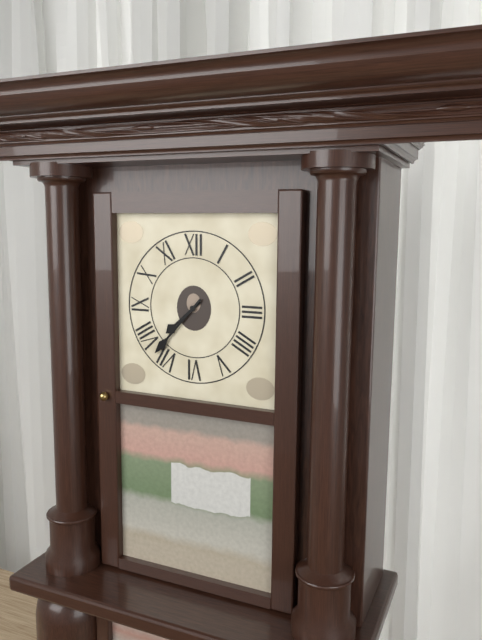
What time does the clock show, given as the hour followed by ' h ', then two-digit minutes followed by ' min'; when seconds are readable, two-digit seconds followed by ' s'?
7 h 37 min
